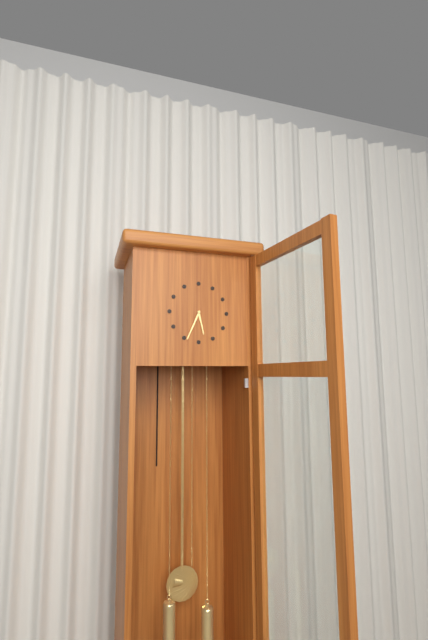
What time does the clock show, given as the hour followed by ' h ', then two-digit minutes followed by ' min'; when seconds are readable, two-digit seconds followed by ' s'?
5 h 34 min
